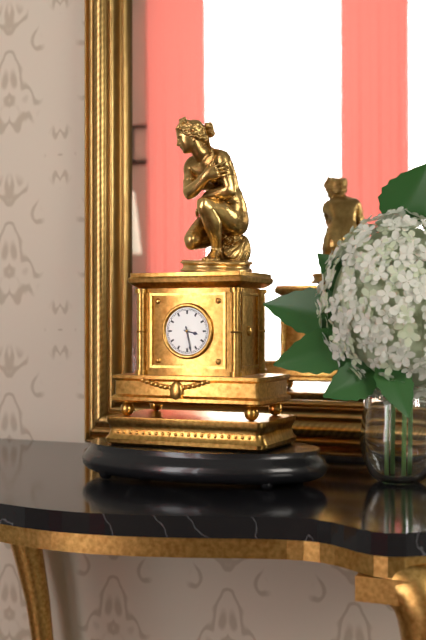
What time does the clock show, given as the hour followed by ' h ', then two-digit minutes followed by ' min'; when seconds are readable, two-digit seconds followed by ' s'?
3 h 28 min
